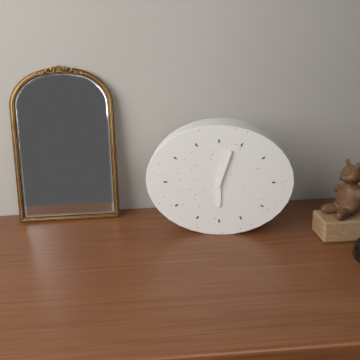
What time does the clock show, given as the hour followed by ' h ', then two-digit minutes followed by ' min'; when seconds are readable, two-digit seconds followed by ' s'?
6 h 03 min
